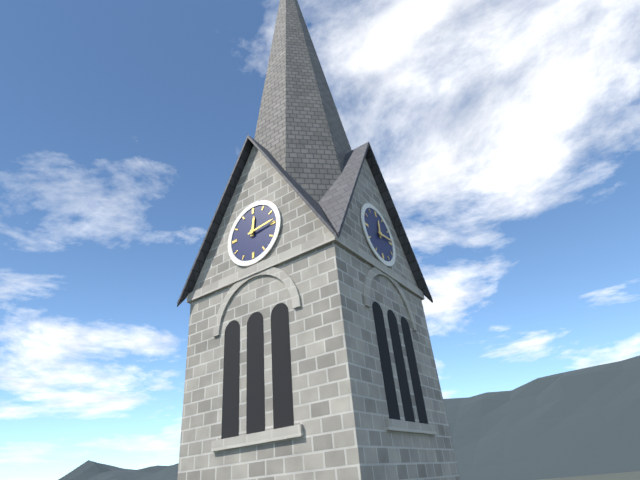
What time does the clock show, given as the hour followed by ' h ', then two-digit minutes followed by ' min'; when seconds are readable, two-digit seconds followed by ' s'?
12 h 14 min
